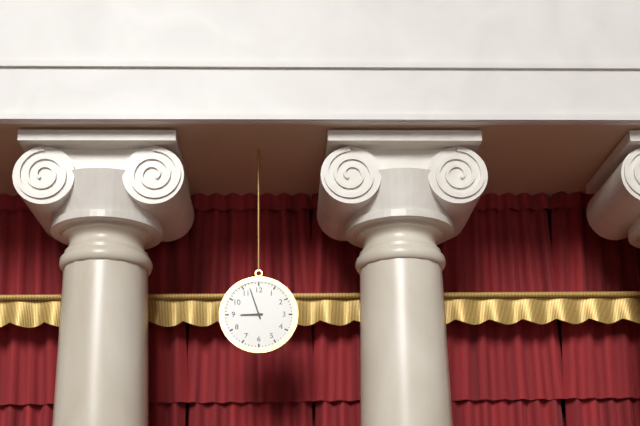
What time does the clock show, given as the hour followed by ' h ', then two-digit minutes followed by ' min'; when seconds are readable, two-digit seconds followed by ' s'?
8 h 57 min
